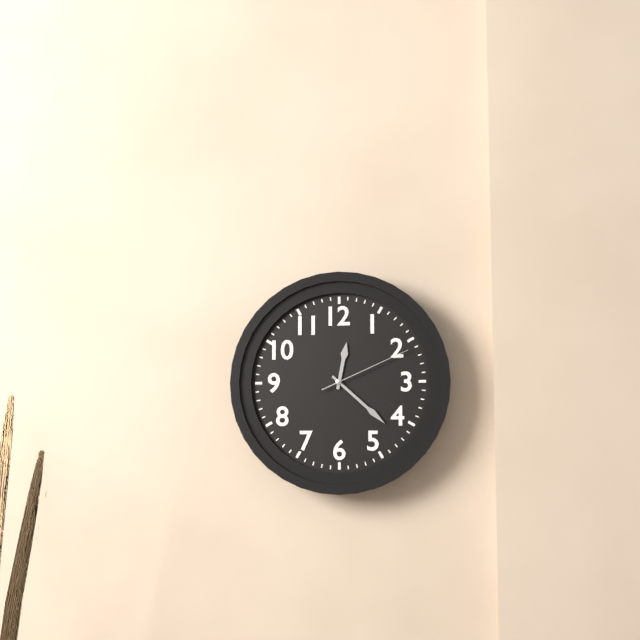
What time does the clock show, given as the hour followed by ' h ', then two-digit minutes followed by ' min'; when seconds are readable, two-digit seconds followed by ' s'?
12 h 22 min 11 s
